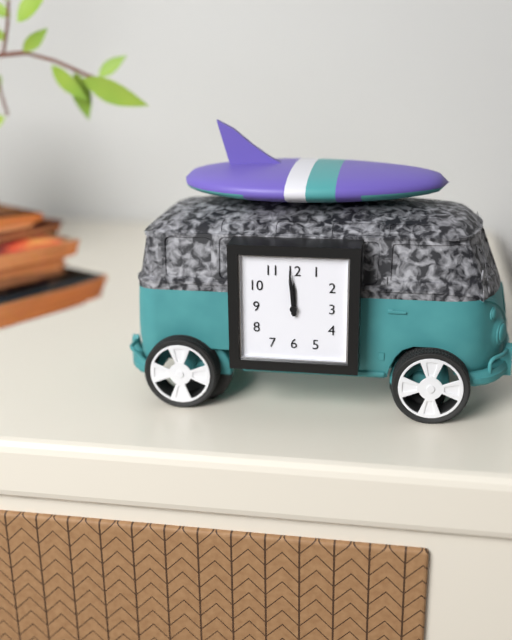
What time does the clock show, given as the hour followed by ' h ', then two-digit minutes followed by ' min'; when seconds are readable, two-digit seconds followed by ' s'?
11 h 59 min
